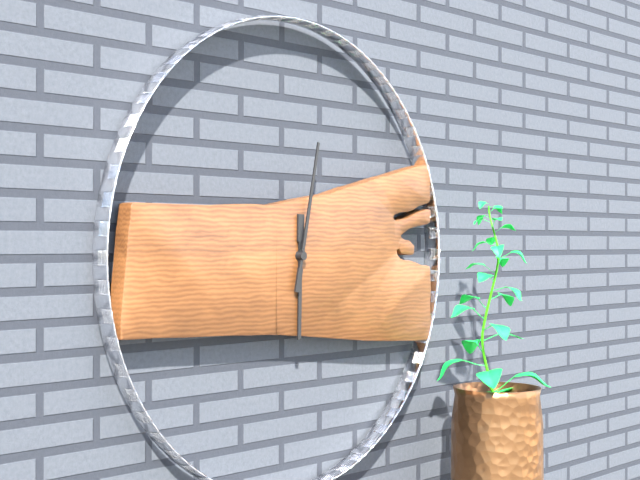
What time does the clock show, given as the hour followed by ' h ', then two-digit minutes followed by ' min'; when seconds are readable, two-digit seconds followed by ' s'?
6 h 02 min
